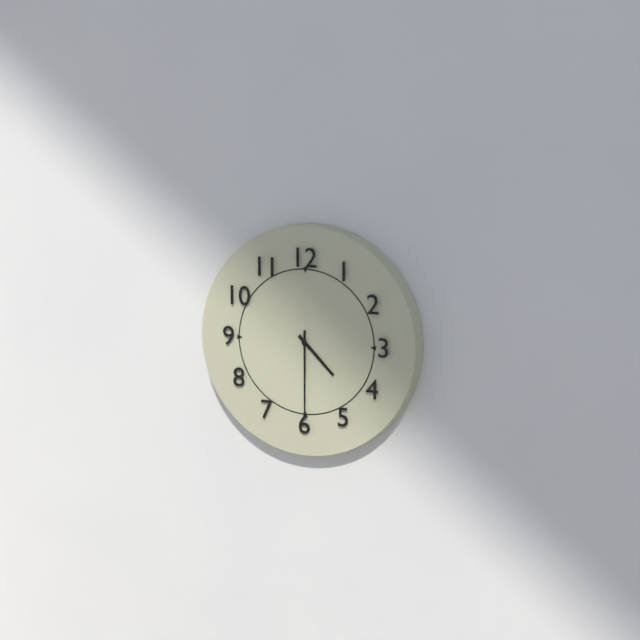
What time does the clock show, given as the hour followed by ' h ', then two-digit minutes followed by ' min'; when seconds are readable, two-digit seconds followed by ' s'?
4 h 30 min
